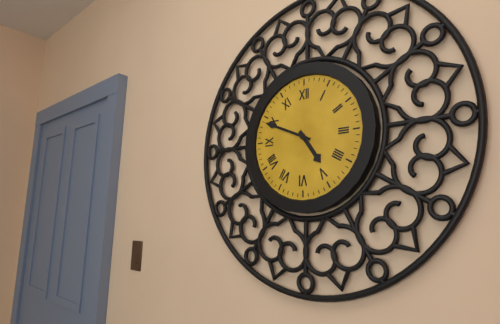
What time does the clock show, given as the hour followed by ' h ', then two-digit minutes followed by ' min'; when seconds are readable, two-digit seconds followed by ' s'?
4 h 49 min
